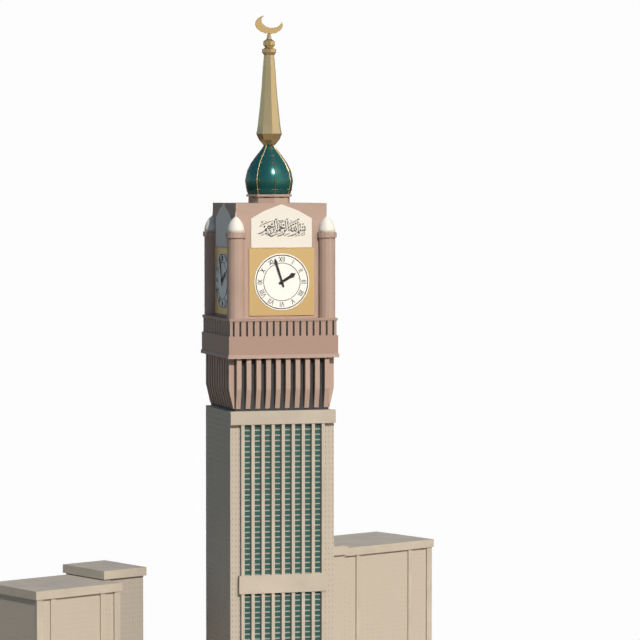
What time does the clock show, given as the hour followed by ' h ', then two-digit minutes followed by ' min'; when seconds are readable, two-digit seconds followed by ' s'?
1 h 57 min
